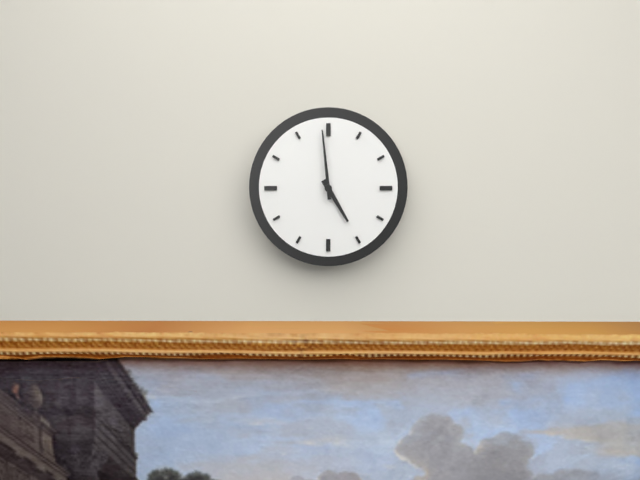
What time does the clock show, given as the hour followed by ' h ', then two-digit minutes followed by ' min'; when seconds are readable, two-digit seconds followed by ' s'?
4 h 59 min
